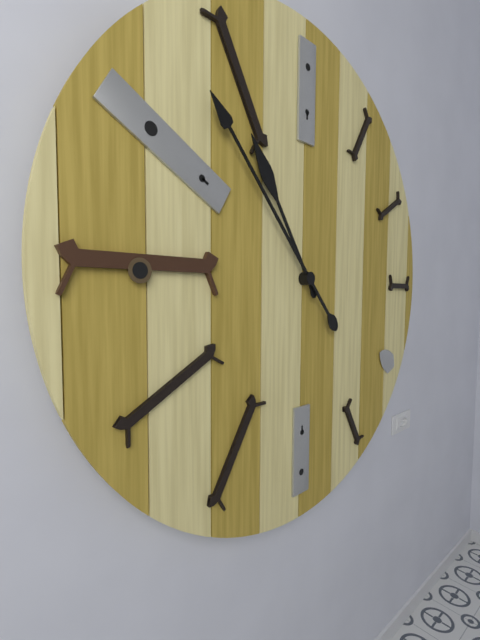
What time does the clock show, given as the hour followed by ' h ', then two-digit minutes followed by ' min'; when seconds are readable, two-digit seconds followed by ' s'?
10 h 53 min
